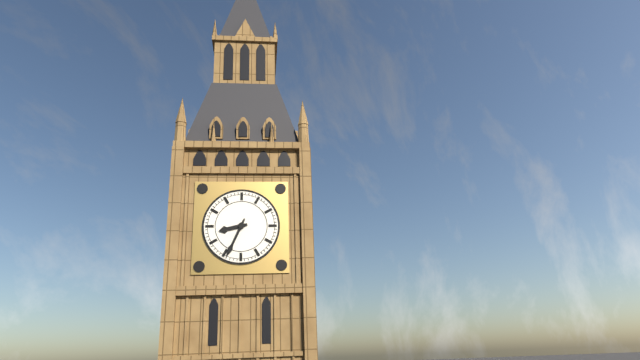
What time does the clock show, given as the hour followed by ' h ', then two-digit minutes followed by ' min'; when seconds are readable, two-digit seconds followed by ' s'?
8 h 34 min
